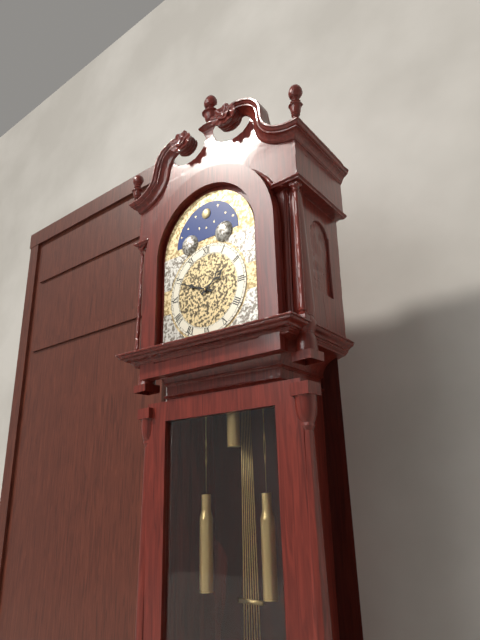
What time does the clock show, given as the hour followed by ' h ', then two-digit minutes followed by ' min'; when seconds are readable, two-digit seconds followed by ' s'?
1 h 49 min
